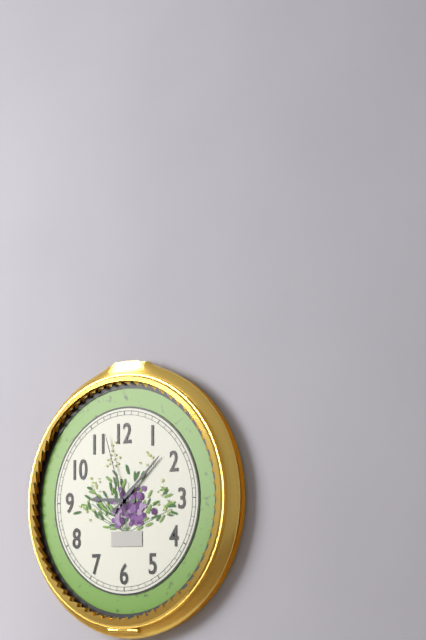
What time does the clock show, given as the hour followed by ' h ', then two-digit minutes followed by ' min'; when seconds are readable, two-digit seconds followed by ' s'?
9 h 08 min 57 s
